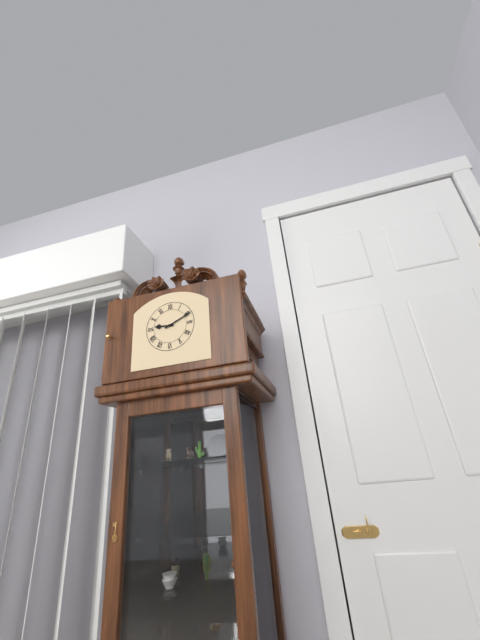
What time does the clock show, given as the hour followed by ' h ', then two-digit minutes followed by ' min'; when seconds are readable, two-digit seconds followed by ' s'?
9 h 11 min
